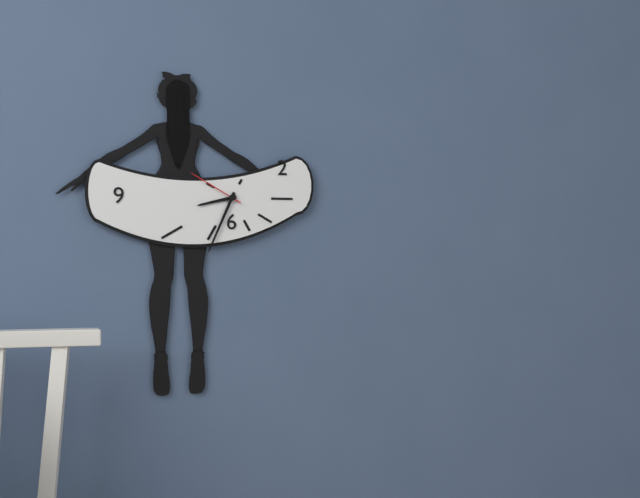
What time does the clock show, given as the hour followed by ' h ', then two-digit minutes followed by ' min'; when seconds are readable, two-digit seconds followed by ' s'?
8 h 34 min 50 s
